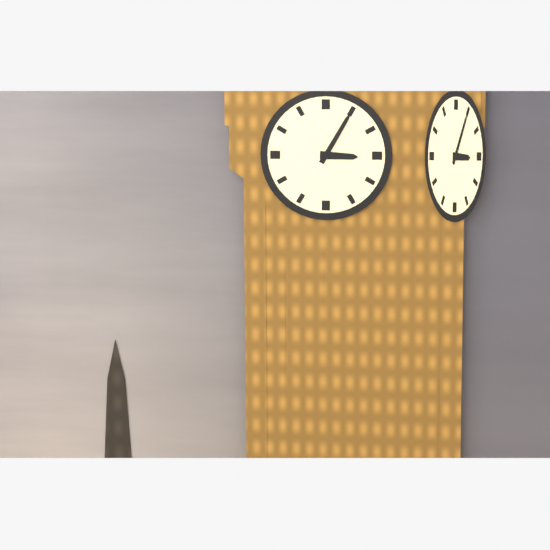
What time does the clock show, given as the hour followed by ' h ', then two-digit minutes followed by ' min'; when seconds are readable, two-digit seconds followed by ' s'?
3 h 05 min
